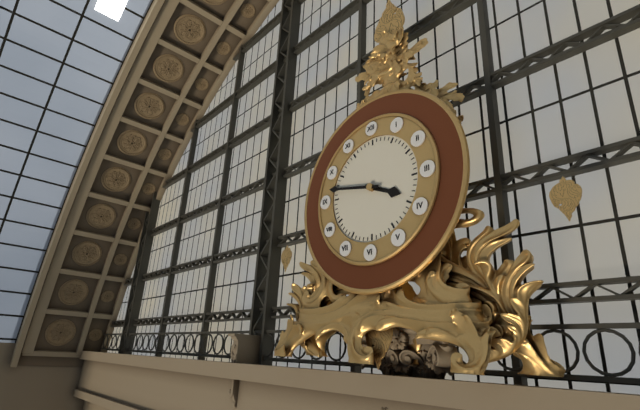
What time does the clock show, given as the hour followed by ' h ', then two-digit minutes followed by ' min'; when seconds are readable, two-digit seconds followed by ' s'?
3 h 47 min
